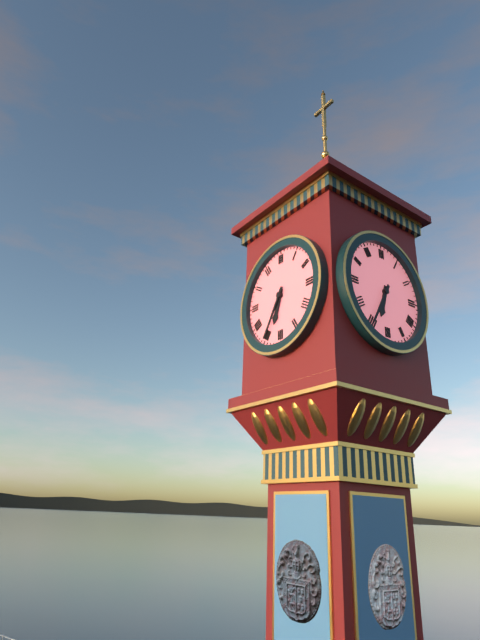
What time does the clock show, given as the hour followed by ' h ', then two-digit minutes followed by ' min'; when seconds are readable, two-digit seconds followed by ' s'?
6 h 35 min
